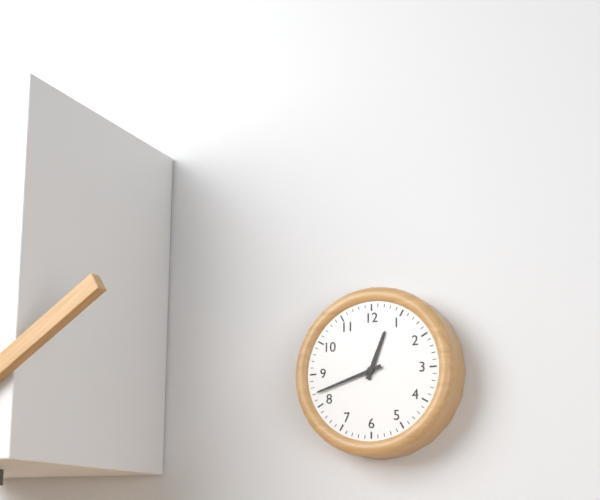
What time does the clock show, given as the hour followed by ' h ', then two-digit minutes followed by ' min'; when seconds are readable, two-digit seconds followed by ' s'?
12 h 42 min
